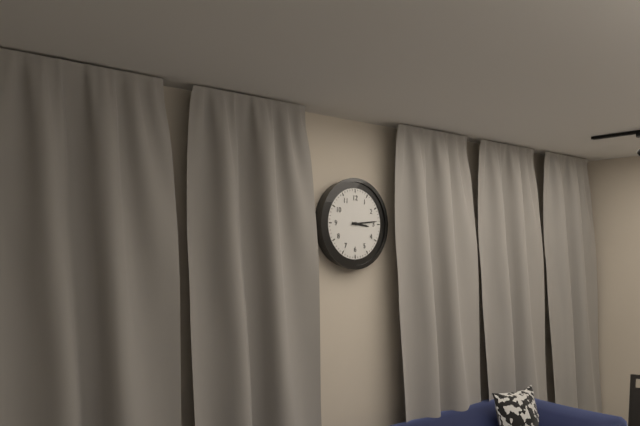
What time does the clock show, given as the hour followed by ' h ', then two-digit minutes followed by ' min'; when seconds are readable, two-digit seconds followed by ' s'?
3 h 14 min
